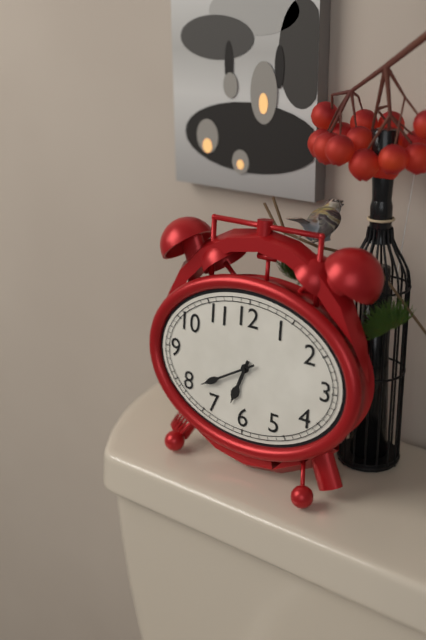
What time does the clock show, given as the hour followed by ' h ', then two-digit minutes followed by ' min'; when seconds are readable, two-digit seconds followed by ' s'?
6 h 40 min
